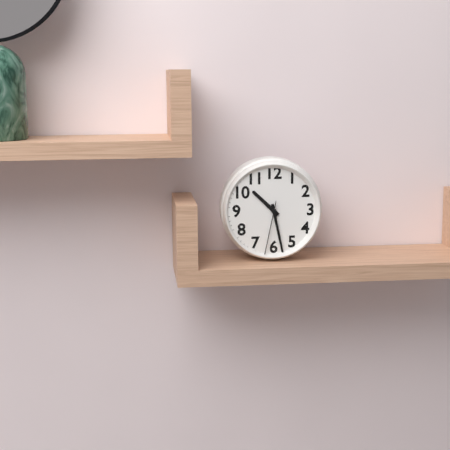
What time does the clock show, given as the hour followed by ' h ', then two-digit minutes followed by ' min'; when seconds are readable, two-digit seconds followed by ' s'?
10 h 28 min 32 s
